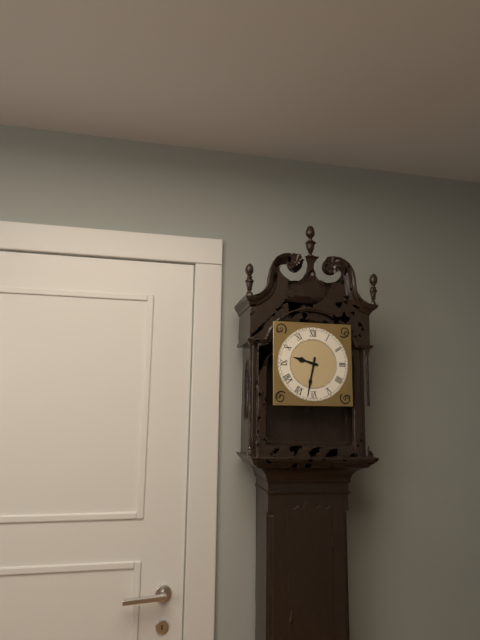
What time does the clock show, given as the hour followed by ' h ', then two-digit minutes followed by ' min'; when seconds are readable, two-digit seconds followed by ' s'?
9 h 32 min
